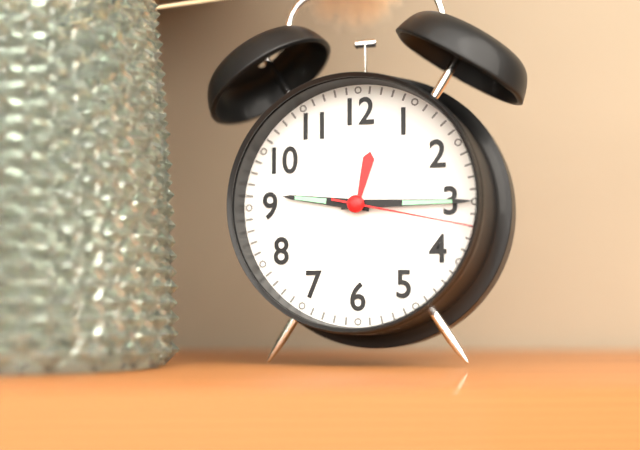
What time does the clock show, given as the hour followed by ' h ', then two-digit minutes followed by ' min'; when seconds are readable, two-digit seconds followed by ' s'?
9 h 15 min 17 s
